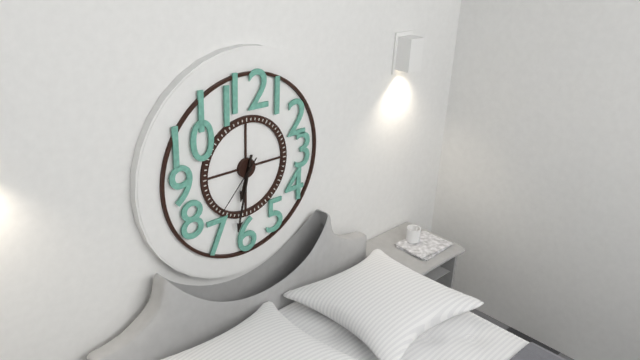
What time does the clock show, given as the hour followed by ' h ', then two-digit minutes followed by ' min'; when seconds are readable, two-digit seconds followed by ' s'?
6 h 32 min 37 s
